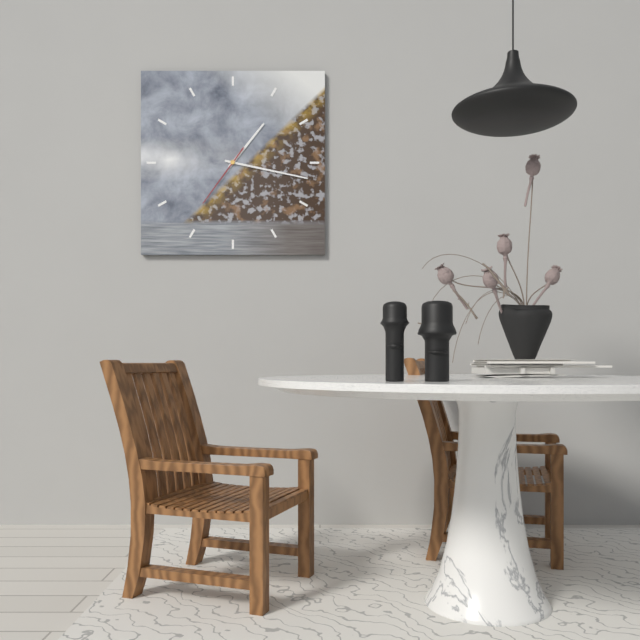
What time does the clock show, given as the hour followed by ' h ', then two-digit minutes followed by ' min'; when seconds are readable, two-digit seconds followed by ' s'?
1 h 17 min 36 s
